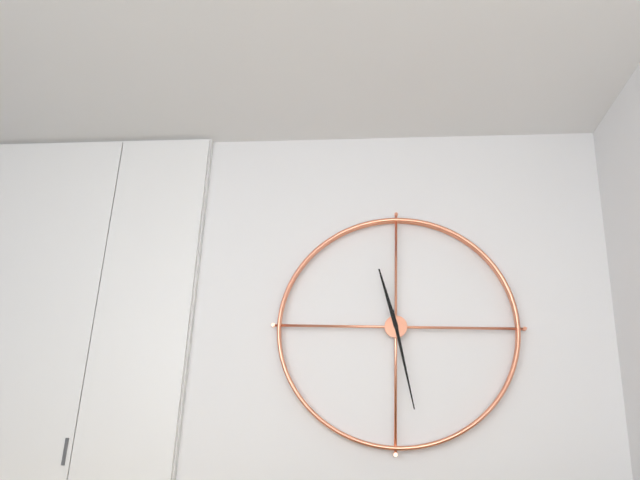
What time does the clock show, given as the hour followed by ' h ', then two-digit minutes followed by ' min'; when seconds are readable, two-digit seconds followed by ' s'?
11 h 28 min
